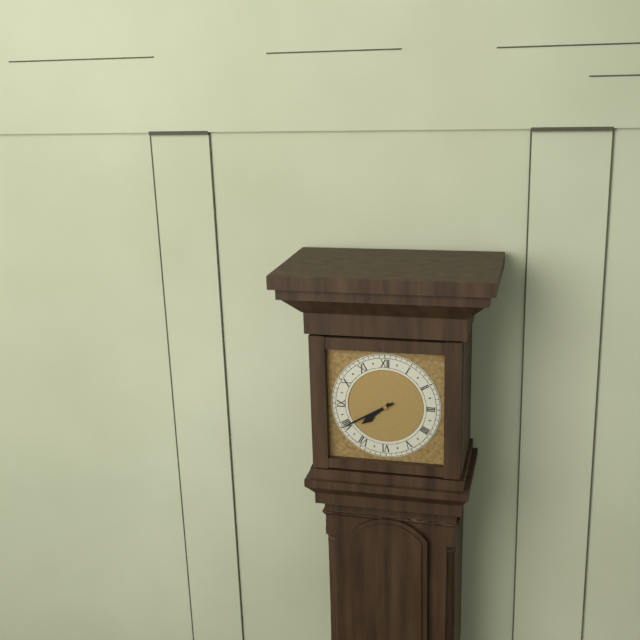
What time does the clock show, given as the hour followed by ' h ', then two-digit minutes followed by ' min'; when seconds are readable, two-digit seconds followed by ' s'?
7 h 40 min
